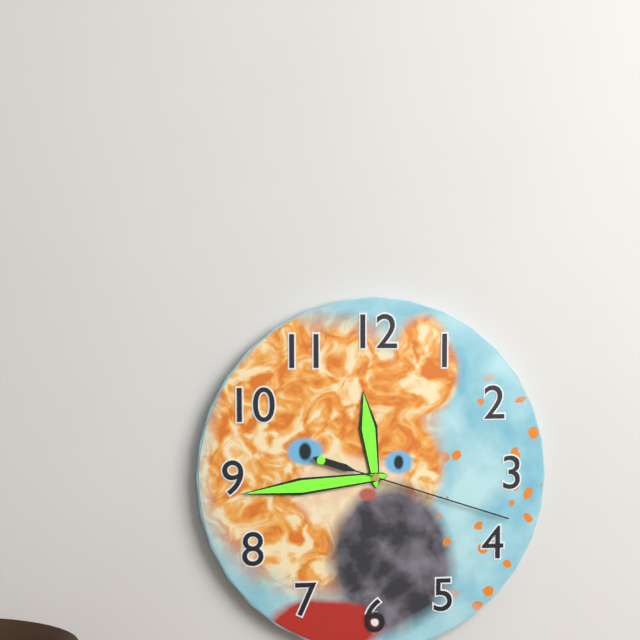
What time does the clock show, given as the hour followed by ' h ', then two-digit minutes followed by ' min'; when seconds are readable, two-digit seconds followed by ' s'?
11 h 44 min 18 s
